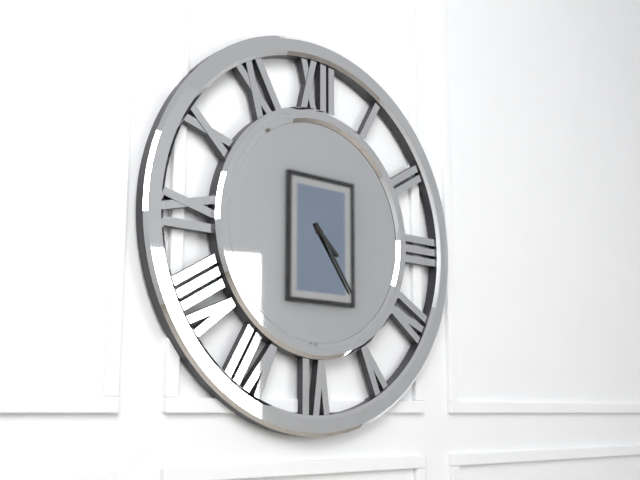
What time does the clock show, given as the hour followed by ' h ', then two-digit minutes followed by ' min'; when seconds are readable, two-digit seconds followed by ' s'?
4 h 24 min
